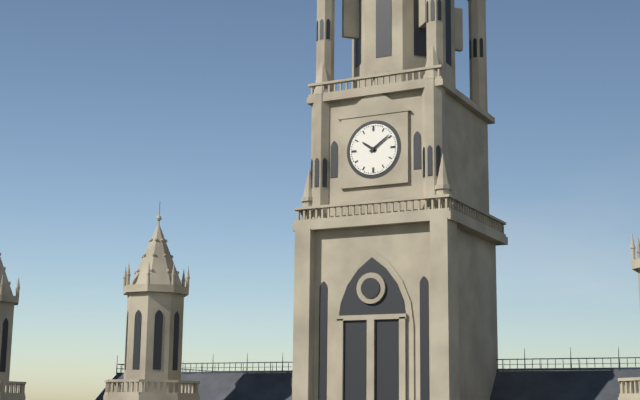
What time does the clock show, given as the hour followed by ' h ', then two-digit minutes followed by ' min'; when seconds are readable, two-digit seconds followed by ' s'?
10 h 09 min
